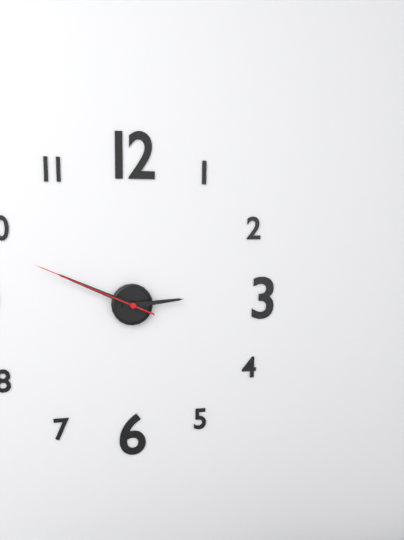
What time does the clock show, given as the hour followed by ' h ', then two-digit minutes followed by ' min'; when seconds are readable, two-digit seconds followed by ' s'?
2 h 49 min 49 s
